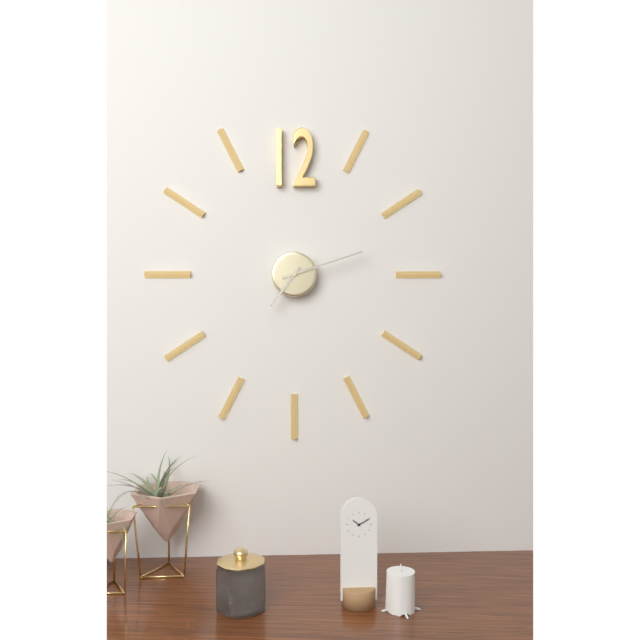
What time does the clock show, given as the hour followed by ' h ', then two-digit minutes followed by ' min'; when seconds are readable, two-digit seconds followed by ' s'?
7 h 12 min
